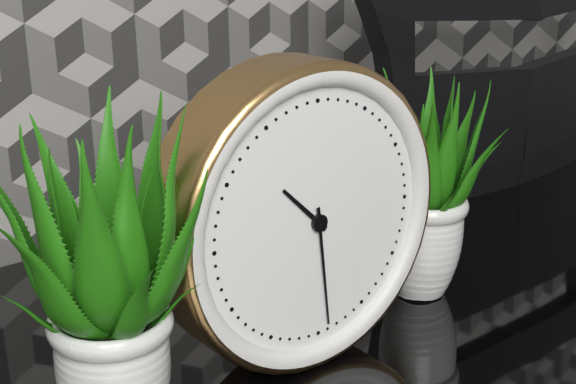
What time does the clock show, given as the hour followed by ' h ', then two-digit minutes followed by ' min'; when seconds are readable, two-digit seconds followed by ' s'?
10 h 29 min
